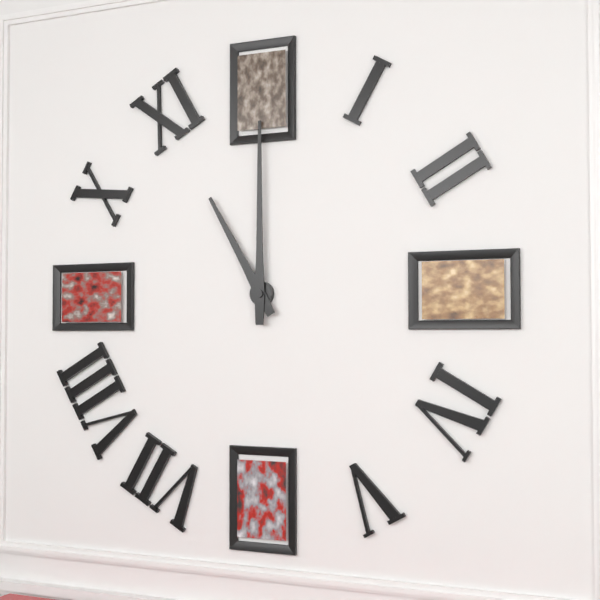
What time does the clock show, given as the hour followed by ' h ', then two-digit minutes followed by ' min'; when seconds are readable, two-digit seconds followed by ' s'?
11 h 00 min
